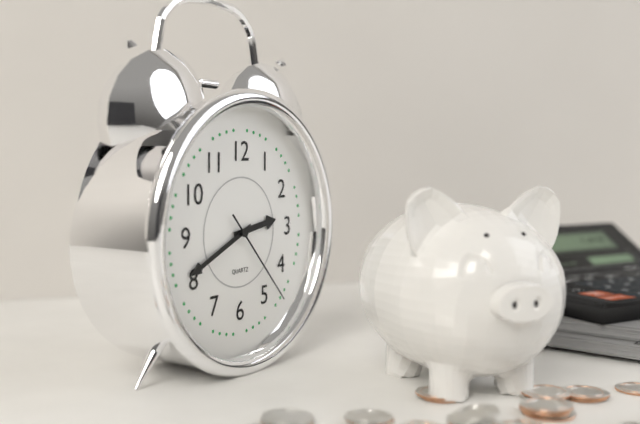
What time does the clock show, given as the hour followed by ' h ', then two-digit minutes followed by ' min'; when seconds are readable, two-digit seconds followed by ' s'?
2 h 41 min 23 s
